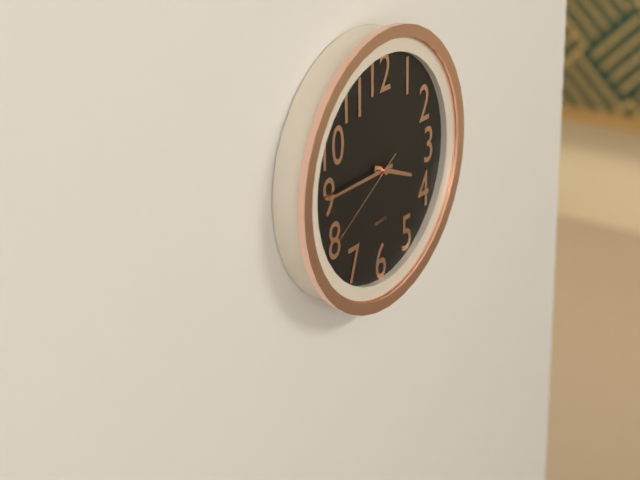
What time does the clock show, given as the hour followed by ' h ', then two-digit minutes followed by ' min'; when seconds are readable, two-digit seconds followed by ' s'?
3 h 45 min 40 s
